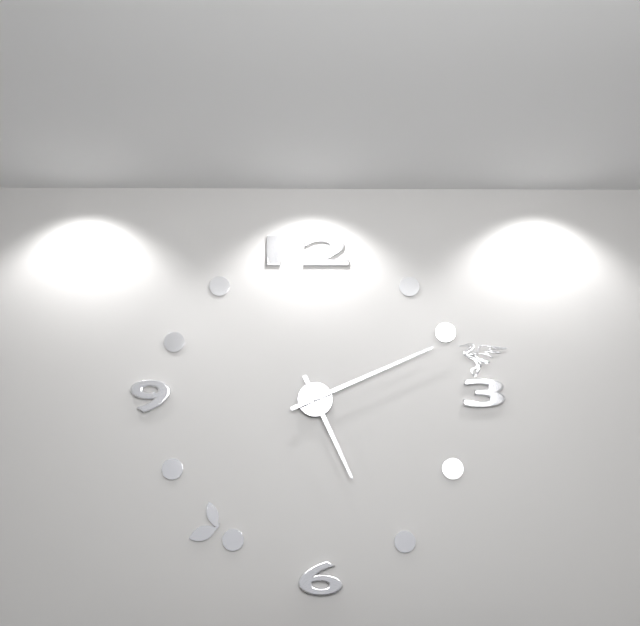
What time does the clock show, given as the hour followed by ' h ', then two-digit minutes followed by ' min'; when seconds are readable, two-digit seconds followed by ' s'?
5 h 11 min
